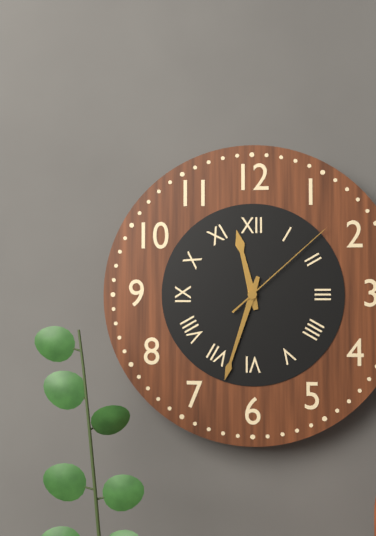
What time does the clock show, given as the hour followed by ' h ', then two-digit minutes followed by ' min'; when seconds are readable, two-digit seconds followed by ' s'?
11 h 33 min 08 s
